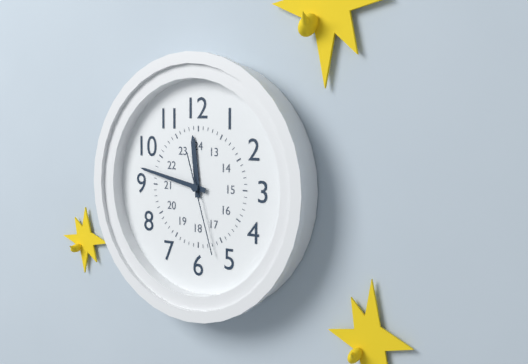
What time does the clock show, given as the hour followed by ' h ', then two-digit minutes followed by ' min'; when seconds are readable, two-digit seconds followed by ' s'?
11 h 47 min 27 s
